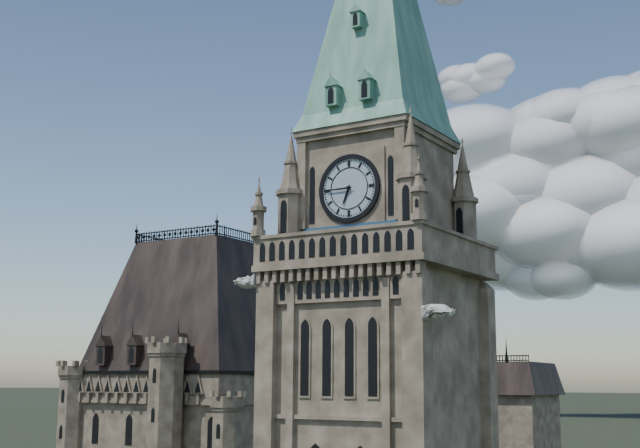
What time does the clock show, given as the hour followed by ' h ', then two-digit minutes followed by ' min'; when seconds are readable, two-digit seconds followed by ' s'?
6 h 45 min
